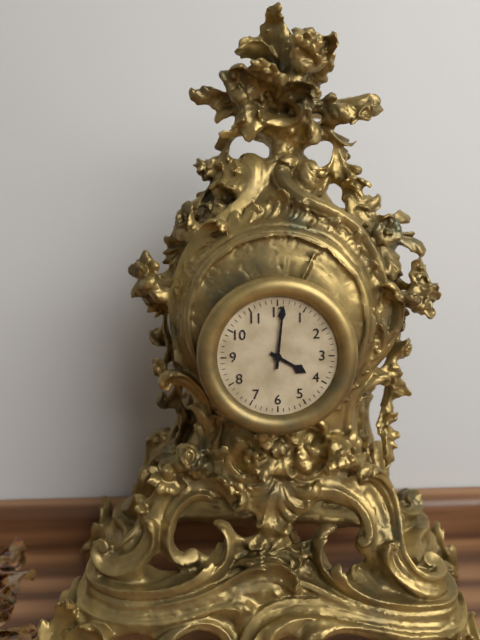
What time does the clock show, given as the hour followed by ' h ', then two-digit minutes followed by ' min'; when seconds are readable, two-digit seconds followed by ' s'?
4 h 01 min
